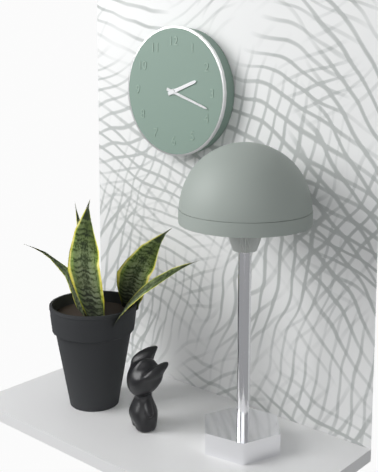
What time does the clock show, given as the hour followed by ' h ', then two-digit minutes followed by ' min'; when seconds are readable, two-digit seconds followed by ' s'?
2 h 18 min
